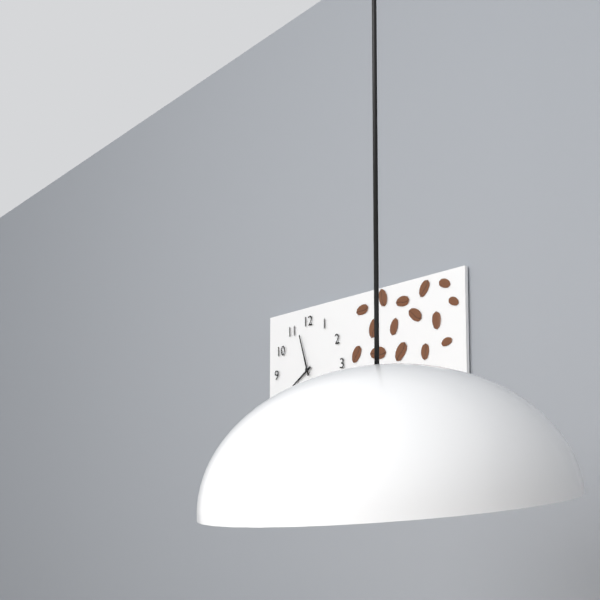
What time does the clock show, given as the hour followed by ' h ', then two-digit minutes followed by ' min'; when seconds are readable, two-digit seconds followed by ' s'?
7 h 57 min
